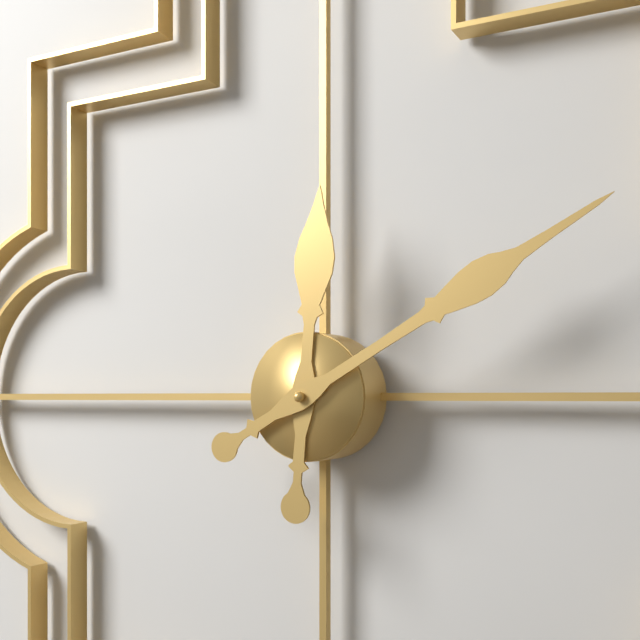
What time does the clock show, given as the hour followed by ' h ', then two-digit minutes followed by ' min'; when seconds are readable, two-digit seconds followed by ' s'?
12 h 10 min
